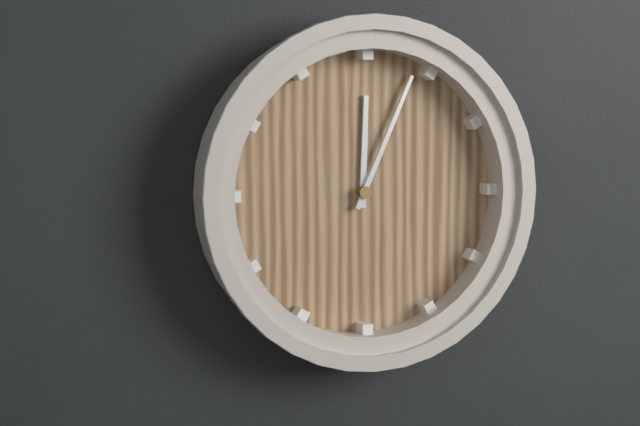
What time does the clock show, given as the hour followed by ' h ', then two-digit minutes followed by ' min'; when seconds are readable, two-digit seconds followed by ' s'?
12 h 04 min
